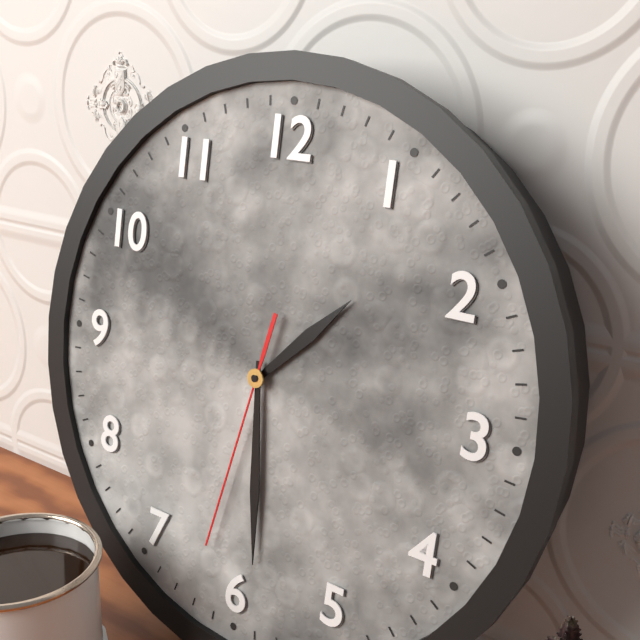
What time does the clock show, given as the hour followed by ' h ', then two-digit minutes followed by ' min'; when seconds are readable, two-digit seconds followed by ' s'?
1 h 29 min 32 s
